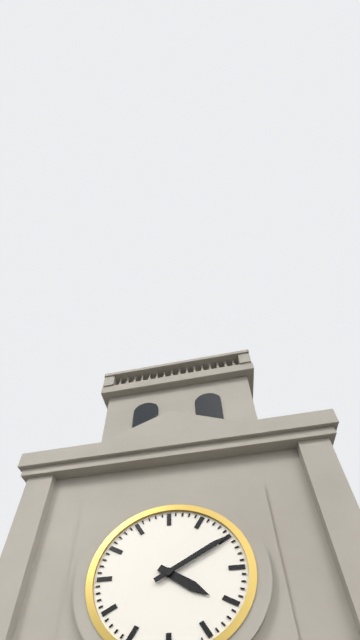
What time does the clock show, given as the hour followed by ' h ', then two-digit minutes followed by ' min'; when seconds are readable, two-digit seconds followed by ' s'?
4 h 10 min
